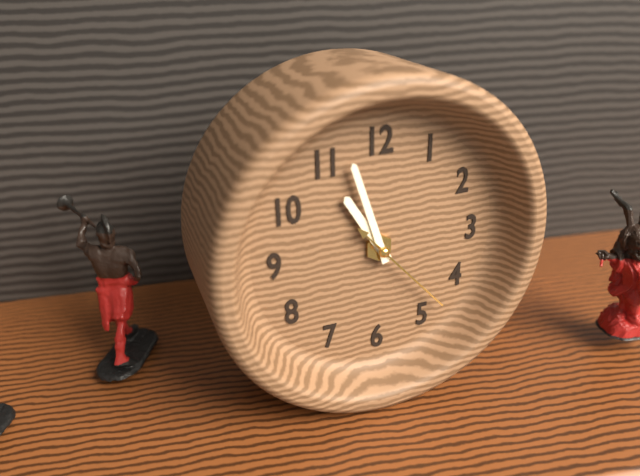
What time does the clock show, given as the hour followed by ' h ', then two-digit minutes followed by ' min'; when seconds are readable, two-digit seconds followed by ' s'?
10 h 57 min 23 s
